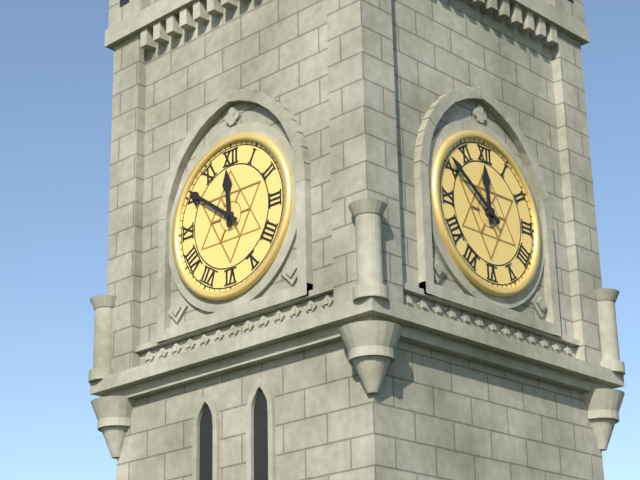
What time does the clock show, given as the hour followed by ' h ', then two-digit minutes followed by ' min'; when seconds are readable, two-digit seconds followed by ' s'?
11 h 51 min
